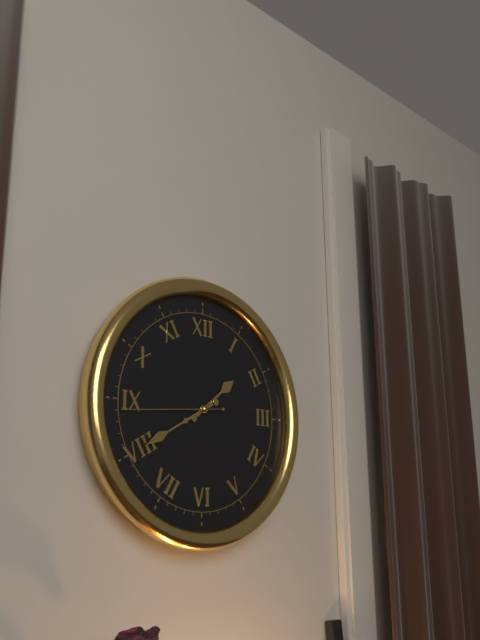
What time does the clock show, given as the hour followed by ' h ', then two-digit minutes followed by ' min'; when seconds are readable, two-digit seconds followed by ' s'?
1 h 40 min 44 s
